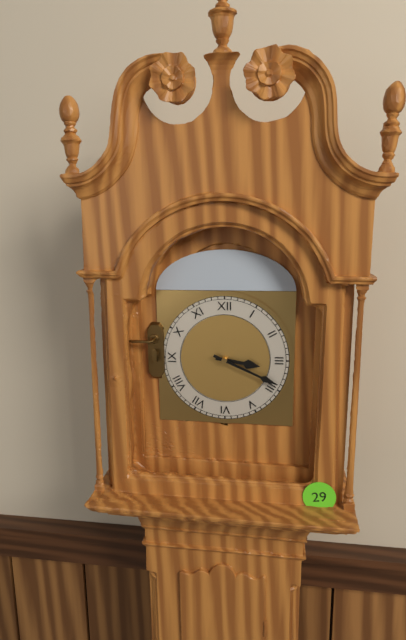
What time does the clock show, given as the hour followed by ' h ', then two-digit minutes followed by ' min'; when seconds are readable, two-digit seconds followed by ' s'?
3 h 19 min
